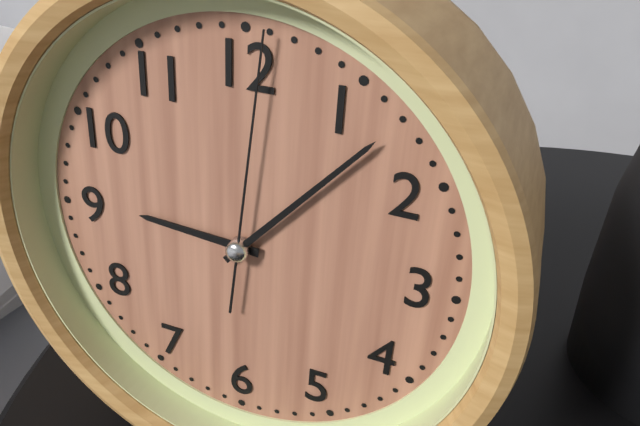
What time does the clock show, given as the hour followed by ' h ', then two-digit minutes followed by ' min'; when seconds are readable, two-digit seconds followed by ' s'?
9 h 07 min 01 s
